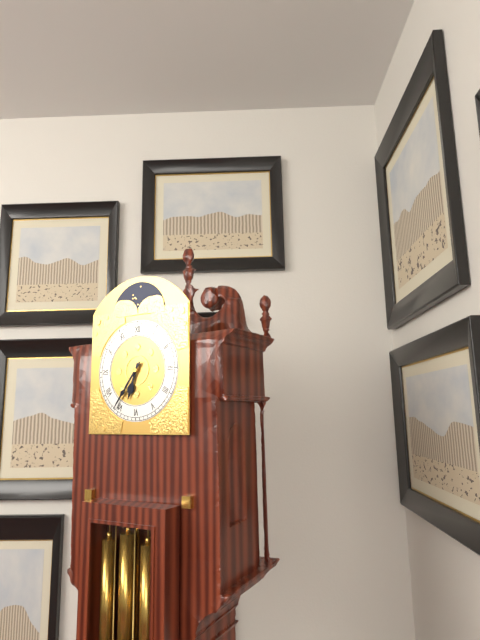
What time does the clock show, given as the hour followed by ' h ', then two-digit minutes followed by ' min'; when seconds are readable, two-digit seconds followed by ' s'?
6 h 36 min
